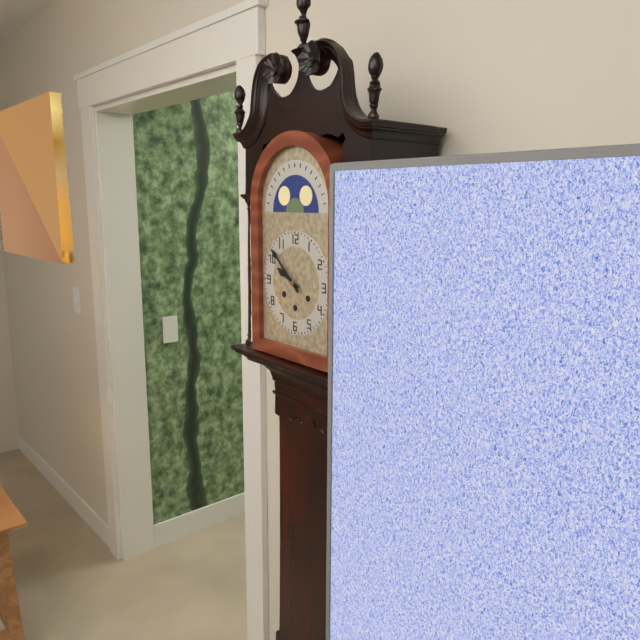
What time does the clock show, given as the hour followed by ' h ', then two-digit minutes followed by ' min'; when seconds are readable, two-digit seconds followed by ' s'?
9 h 52 min
